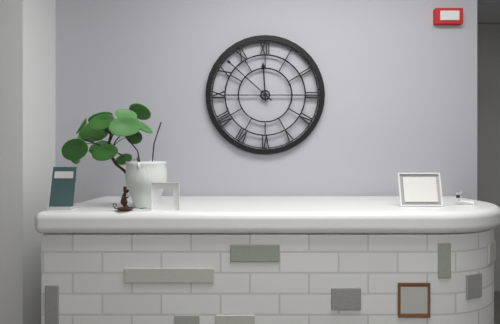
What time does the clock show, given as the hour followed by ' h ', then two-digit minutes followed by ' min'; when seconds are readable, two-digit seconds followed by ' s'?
11 h 52 min
